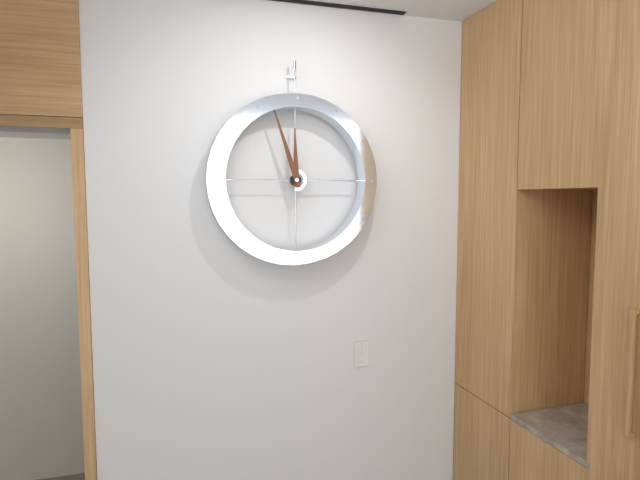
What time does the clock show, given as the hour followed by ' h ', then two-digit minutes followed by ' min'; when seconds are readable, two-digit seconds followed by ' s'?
11 h 57 min
